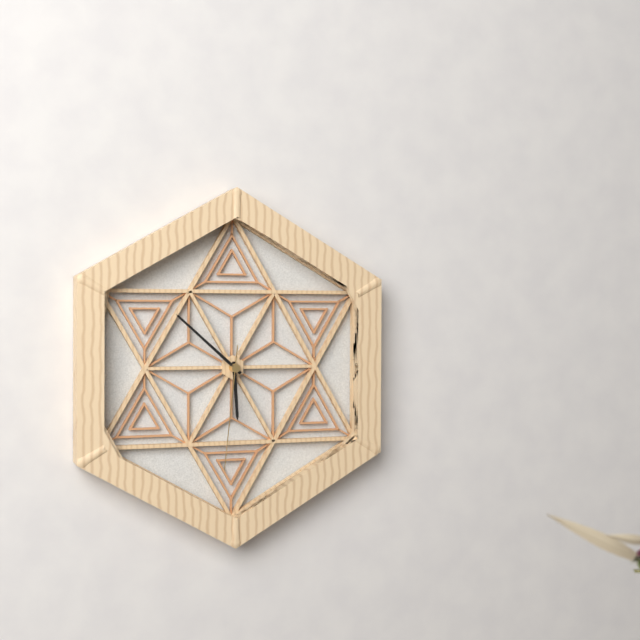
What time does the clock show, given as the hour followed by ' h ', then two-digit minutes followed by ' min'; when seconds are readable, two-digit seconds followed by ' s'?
5 h 52 min 31 s
